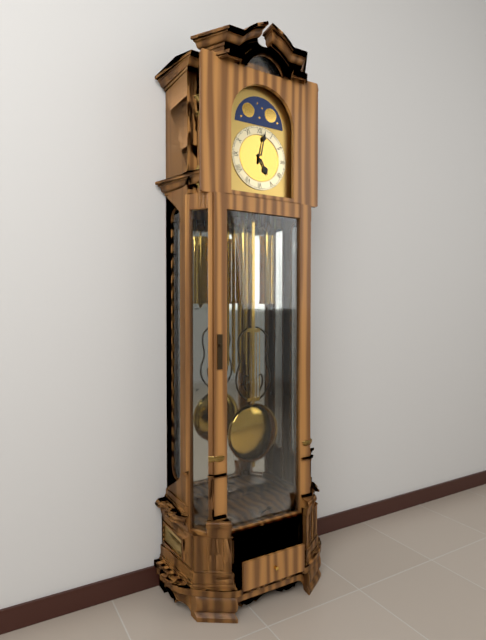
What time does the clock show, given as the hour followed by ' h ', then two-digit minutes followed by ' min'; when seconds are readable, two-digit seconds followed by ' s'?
5 h 02 min
